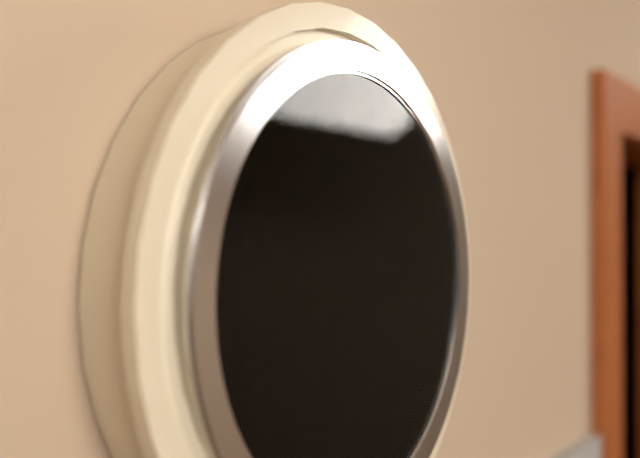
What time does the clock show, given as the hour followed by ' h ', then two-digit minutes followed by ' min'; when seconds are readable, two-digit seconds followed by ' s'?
12 h 25 min
